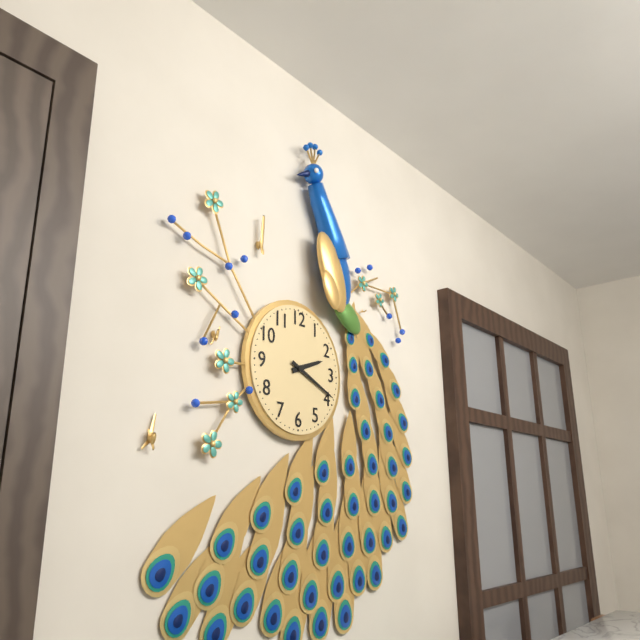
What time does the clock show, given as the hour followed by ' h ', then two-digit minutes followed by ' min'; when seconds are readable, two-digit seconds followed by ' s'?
2 h 19 min
